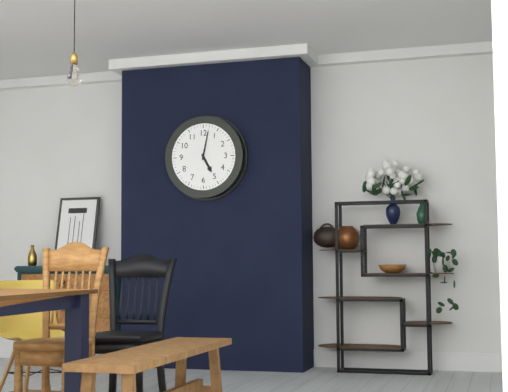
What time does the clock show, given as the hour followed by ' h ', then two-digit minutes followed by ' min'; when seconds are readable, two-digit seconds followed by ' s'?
5 h 02 min
